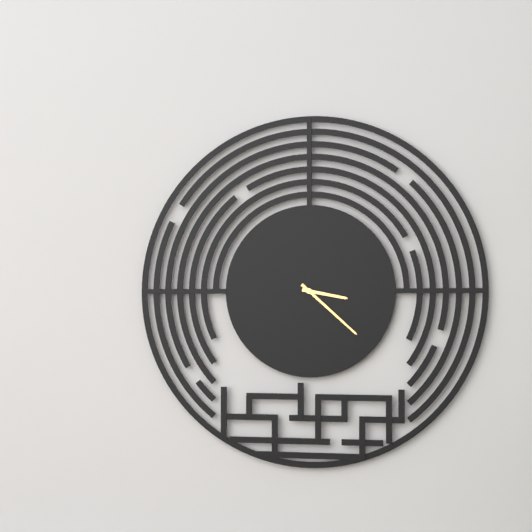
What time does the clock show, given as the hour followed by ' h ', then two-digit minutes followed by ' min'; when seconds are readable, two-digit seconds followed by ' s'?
3 h 22 min
